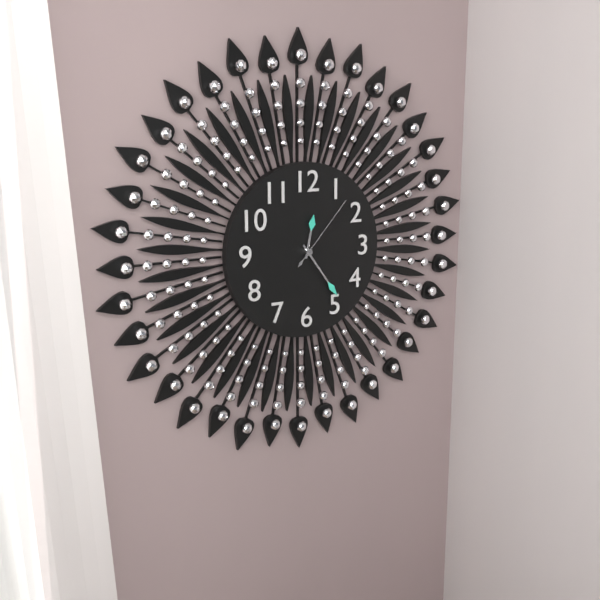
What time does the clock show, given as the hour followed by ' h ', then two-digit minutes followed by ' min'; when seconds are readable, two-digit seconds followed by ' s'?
12 h 24 min 07 s
